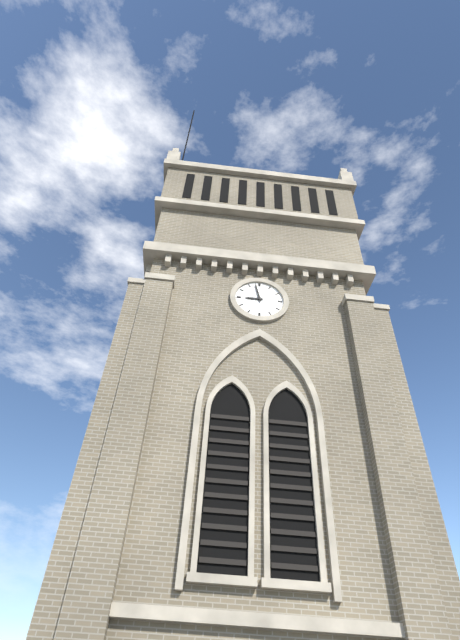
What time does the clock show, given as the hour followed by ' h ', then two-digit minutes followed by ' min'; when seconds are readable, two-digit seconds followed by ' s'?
8 h 58 min
